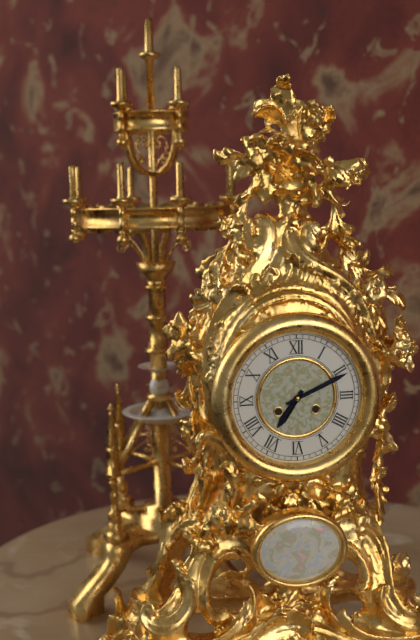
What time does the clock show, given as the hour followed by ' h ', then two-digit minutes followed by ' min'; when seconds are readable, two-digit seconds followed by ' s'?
7 h 11 min
